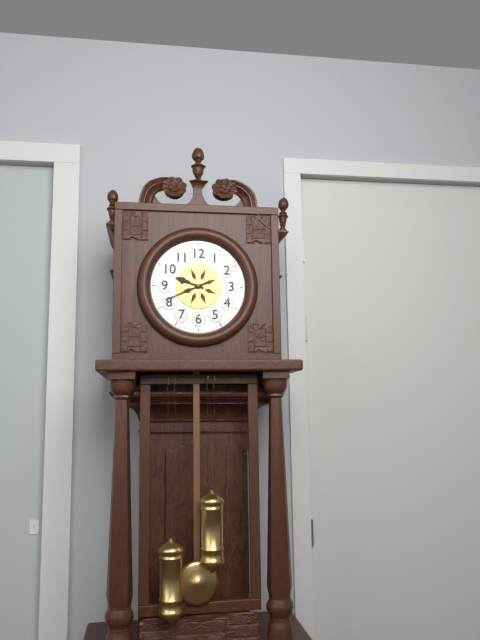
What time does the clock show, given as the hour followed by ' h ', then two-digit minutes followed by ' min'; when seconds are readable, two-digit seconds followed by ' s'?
9 h 41 min
